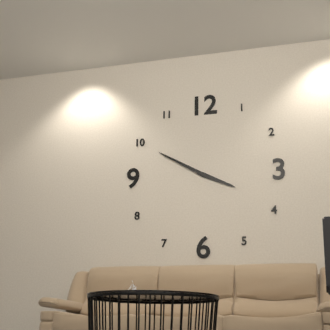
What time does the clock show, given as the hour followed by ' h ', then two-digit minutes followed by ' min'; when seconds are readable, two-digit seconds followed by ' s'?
3 h 50 min
